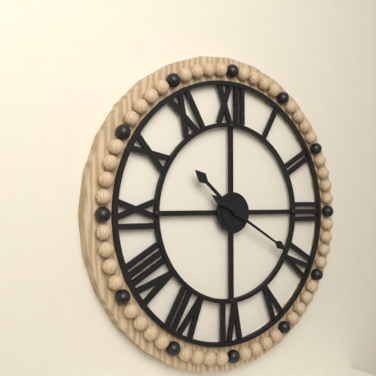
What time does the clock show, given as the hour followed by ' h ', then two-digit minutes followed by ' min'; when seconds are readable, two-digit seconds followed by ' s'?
10 h 20 min
